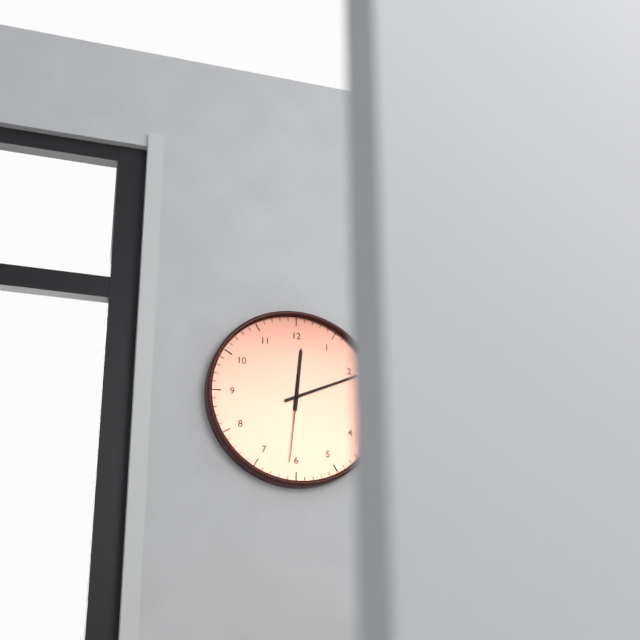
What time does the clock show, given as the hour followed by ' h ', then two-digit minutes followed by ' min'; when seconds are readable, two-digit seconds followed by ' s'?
12 h 11 min 31 s
